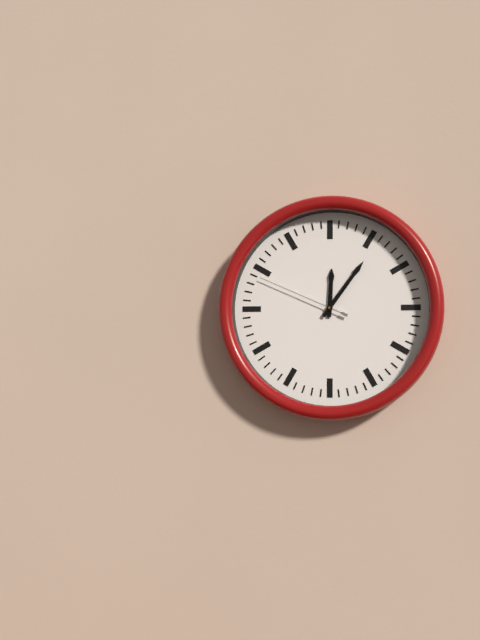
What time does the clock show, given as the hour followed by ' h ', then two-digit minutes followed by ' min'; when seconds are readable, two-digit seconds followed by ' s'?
12 h 06 min 49 s
